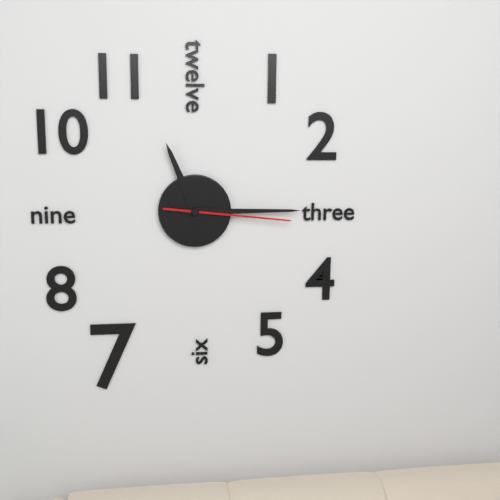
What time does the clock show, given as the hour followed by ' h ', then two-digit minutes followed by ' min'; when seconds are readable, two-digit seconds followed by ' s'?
11 h 15 min 16 s
